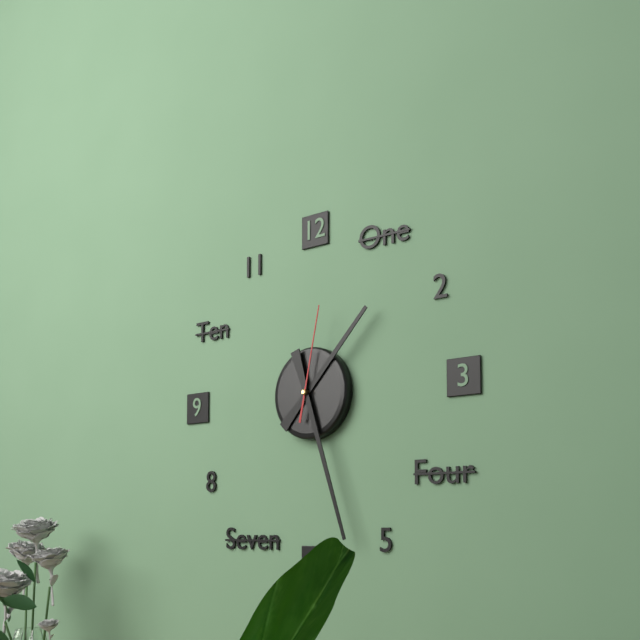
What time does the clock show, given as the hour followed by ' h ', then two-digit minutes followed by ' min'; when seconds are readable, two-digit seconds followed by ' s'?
1 h 27 min 02 s
